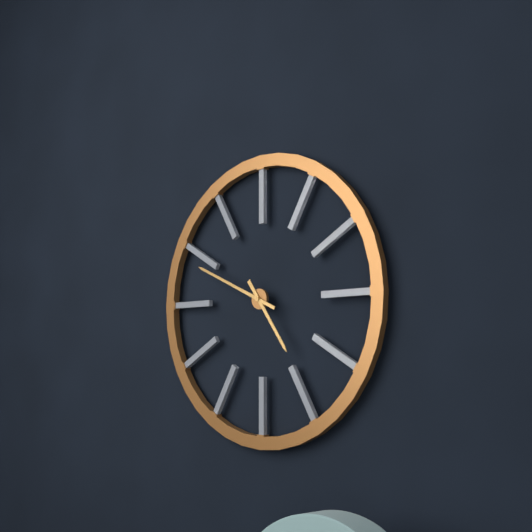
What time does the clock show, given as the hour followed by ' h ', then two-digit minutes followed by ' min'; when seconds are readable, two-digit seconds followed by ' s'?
4 h 49 min
